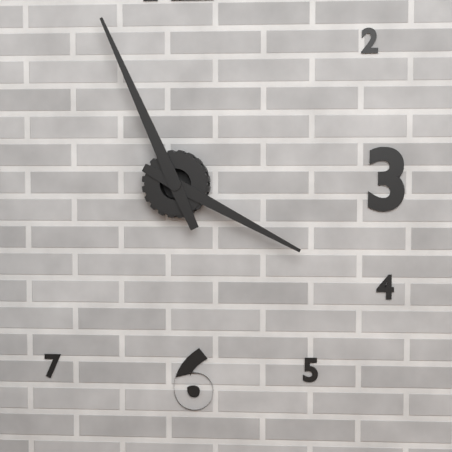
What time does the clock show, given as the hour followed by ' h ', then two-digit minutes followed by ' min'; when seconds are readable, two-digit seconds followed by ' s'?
3 h 56 min
